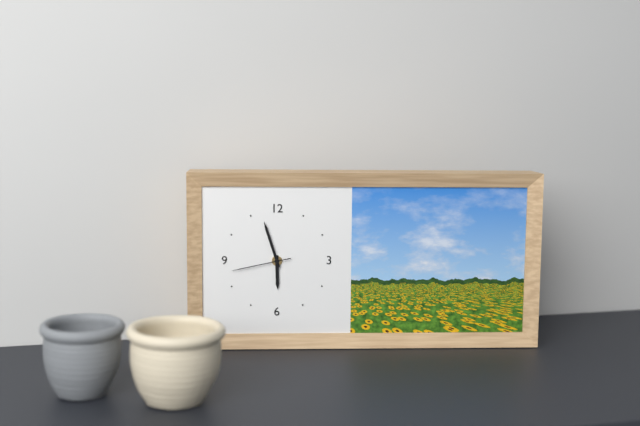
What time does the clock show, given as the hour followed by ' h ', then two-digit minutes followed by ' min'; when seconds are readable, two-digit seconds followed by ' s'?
5 h 57 min 43 s
